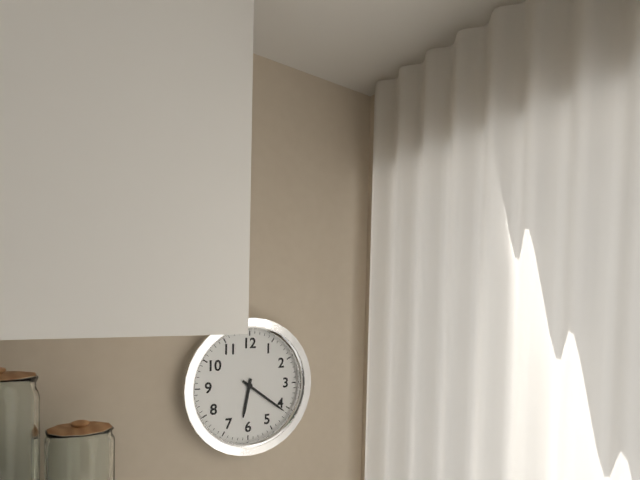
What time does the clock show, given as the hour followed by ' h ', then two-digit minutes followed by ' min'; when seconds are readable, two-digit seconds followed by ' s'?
6 h 21 min
